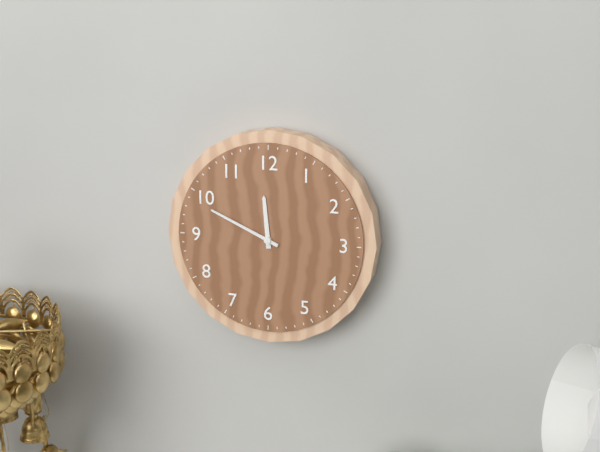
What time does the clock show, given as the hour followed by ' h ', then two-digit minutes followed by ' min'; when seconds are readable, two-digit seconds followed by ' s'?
11 h 49 min
